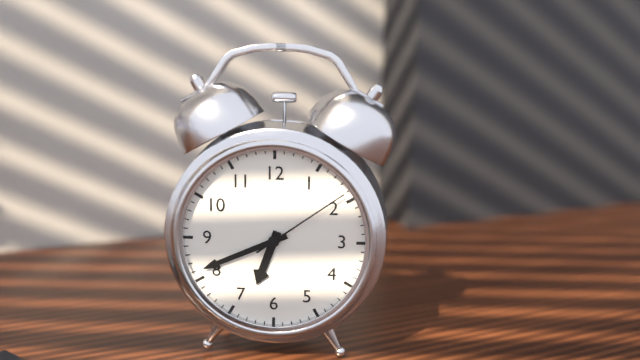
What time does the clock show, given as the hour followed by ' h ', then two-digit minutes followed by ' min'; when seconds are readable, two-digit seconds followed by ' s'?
6 h 41 min 09 s
